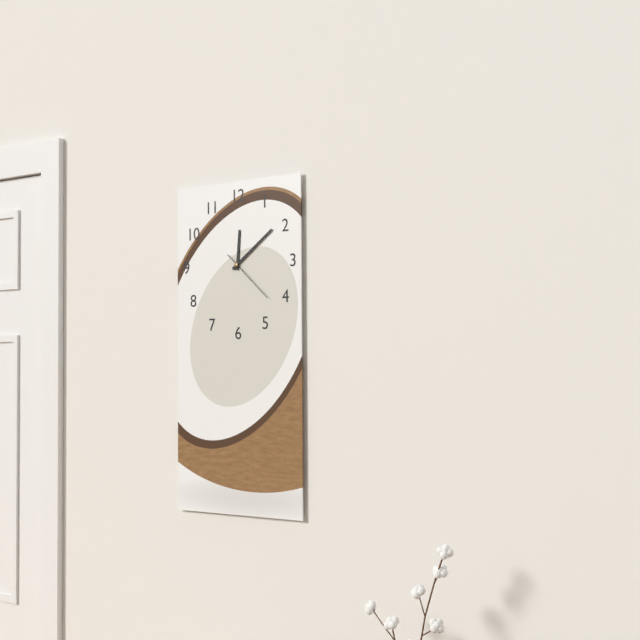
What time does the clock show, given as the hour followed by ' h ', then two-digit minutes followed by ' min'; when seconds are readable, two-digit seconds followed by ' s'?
12 h 09 min 22 s
